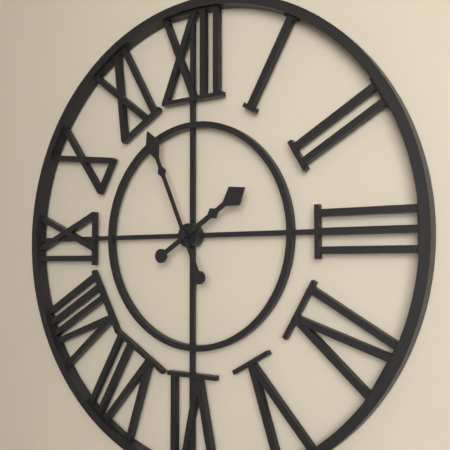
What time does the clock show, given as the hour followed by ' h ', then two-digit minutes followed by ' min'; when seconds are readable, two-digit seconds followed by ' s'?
1 h 56 min
